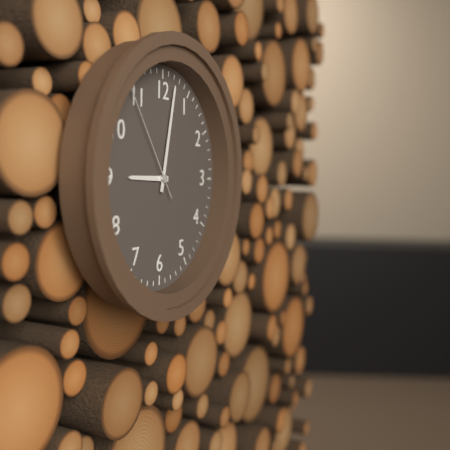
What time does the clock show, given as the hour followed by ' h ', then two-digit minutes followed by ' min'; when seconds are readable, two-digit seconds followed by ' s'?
9 h 02 min 54 s
